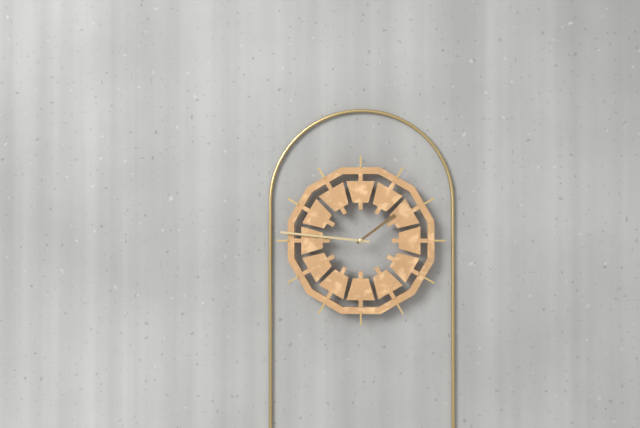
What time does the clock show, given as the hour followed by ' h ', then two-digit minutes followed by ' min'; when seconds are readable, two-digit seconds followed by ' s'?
1 h 46 min
